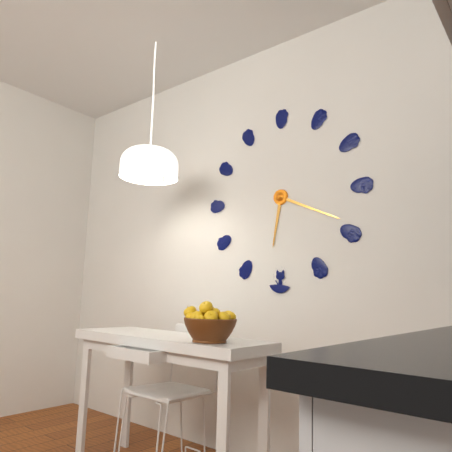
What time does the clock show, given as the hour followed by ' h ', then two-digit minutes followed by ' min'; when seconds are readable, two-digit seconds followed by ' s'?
6 h 19 min
